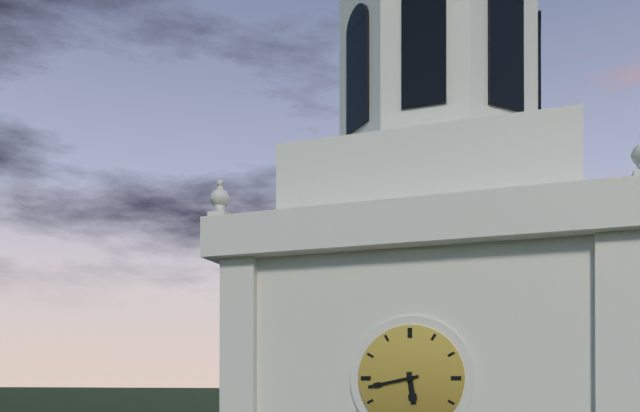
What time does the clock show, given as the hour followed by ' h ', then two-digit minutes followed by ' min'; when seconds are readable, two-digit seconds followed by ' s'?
5 h 43 min
